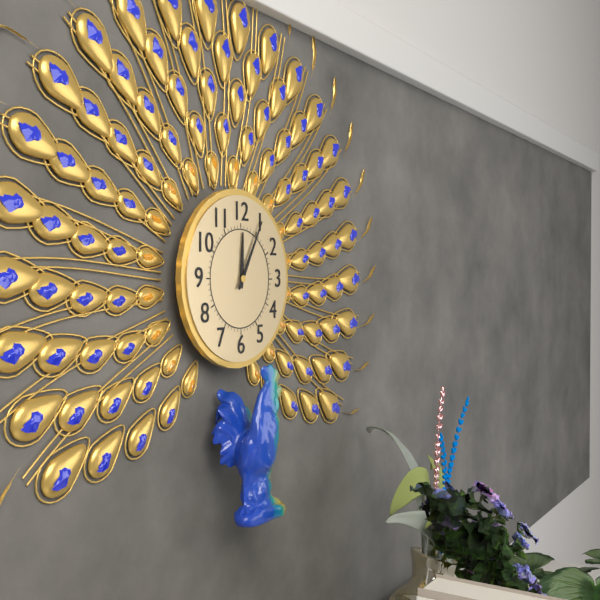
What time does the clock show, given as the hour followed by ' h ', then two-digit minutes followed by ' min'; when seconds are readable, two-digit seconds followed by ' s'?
12 h 05 min
